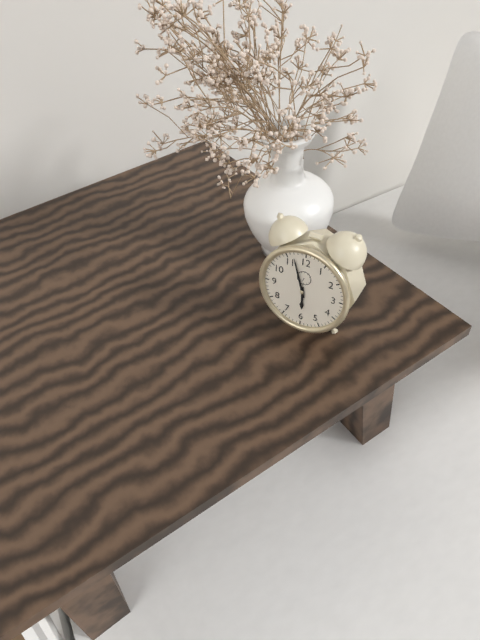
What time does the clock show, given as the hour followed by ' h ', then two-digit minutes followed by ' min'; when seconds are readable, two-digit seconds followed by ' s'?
5 h 57 min
